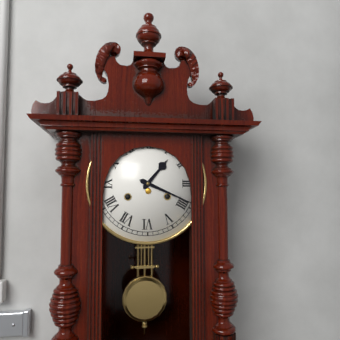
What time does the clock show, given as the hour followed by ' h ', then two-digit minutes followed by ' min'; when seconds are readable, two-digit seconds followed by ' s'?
1 h 19 min
